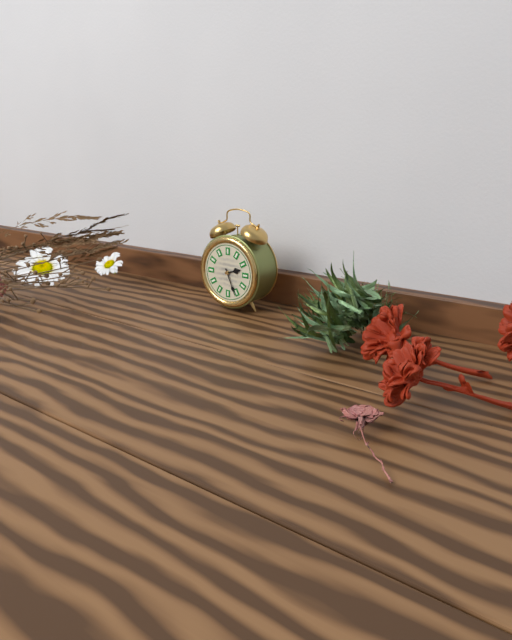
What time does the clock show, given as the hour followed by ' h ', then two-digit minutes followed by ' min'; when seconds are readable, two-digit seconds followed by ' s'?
2 h 26 min
